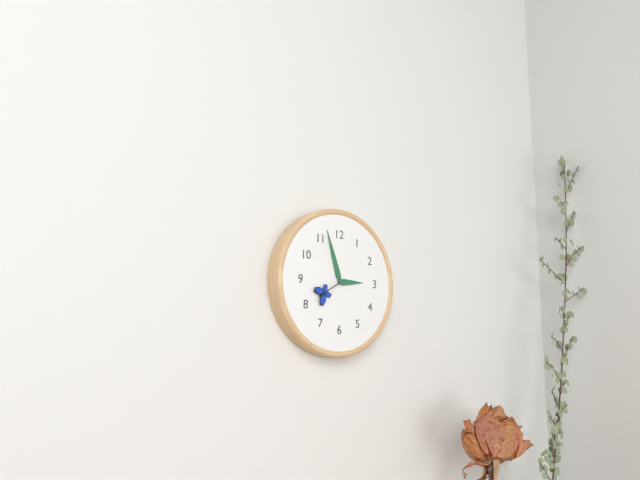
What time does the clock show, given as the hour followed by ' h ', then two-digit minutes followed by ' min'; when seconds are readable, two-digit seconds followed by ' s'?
2 h 57 min
